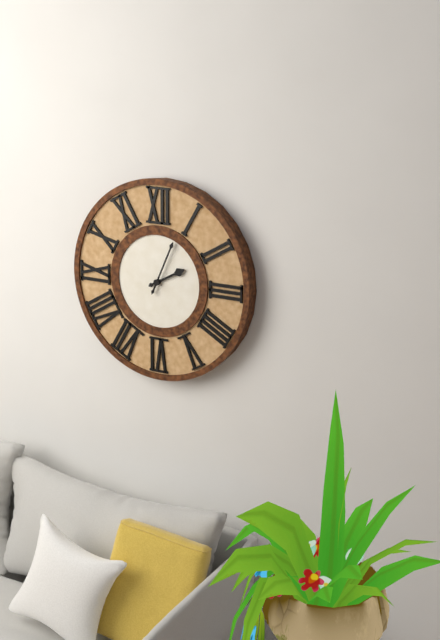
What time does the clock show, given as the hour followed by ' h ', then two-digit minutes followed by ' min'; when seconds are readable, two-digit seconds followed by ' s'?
2 h 04 min
